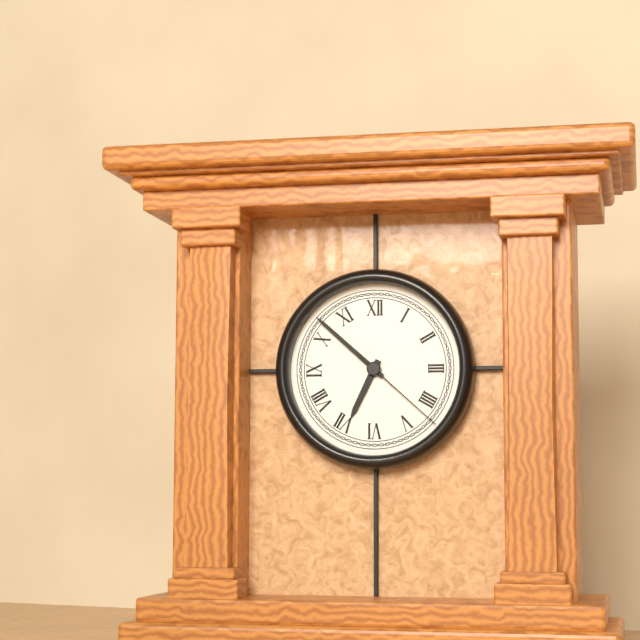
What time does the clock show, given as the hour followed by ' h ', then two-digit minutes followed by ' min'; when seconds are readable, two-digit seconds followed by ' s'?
6 h 52 min 22 s
